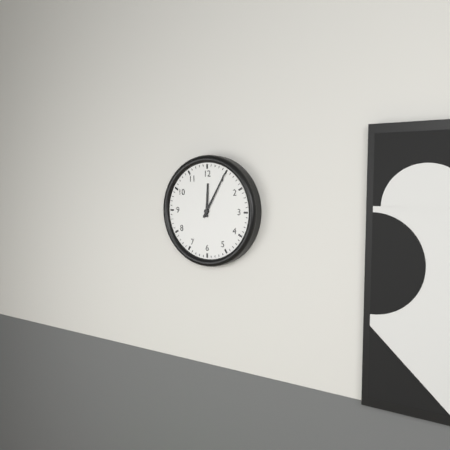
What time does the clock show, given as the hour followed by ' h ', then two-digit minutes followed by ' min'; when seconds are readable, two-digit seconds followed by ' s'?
12 h 05 min
